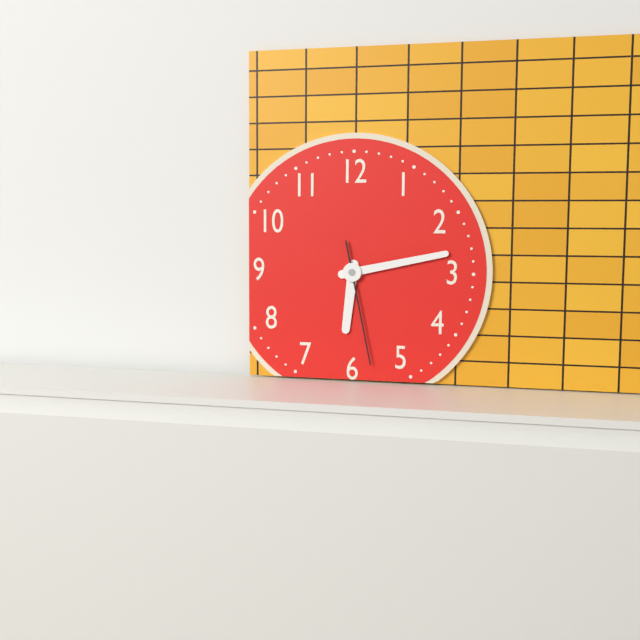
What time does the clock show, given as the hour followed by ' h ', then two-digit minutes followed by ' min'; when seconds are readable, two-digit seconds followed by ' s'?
6 h 13 min 28 s
